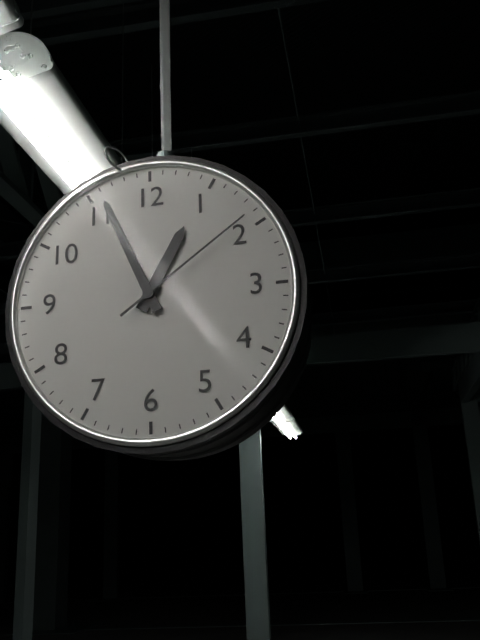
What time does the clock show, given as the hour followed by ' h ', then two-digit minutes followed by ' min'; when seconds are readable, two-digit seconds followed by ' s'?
12 h 56 min 09 s
